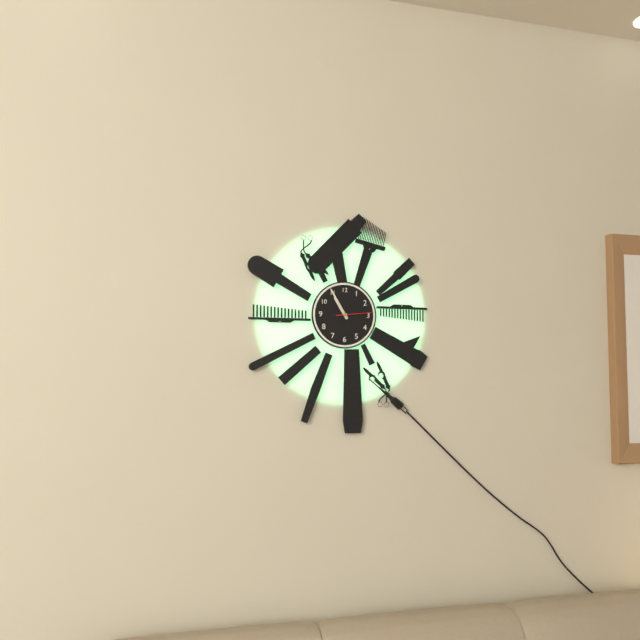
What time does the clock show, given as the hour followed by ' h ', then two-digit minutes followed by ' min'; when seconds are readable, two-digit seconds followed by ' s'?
10 h 55 min
